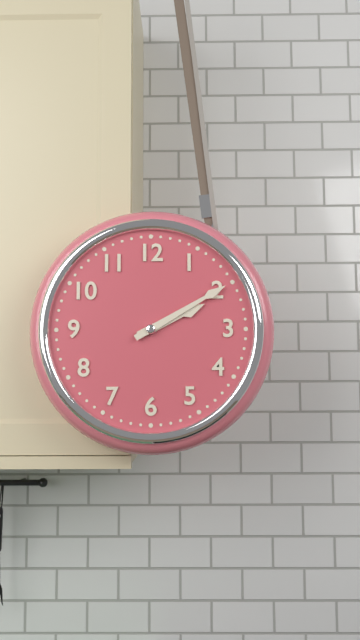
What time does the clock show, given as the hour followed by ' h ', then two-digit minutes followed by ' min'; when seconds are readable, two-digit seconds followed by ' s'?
2 h 10 min
